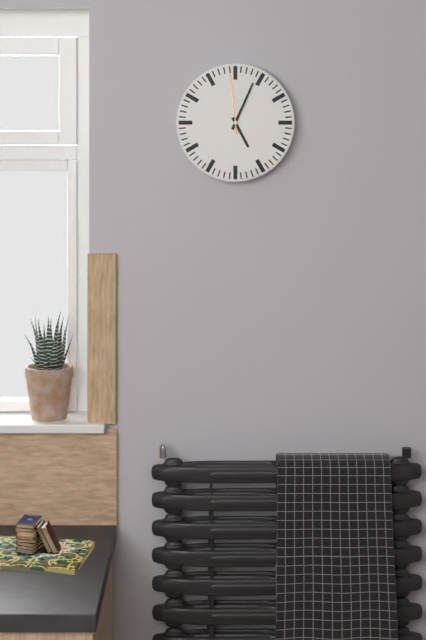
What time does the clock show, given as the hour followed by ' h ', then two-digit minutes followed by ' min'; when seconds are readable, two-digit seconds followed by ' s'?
5 h 04 min 59 s
